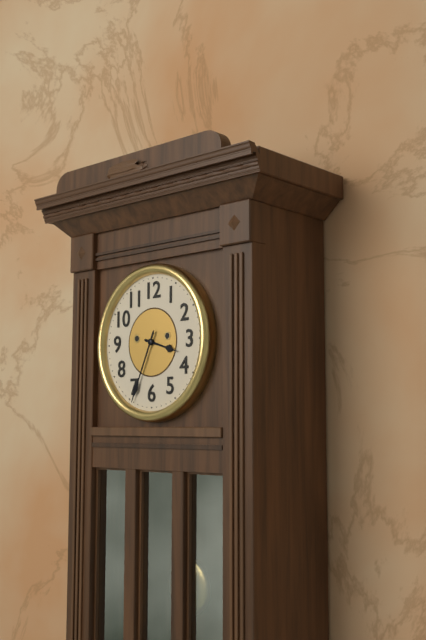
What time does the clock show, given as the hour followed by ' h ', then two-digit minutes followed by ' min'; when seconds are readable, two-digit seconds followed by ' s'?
3 h 34 min
